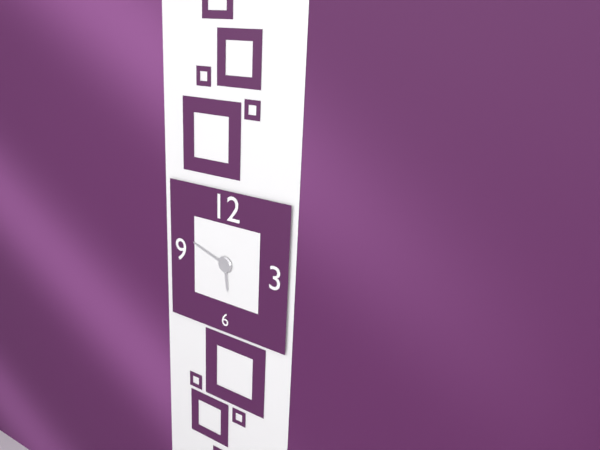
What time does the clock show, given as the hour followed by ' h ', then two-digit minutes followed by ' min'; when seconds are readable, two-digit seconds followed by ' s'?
5 h 48 min
